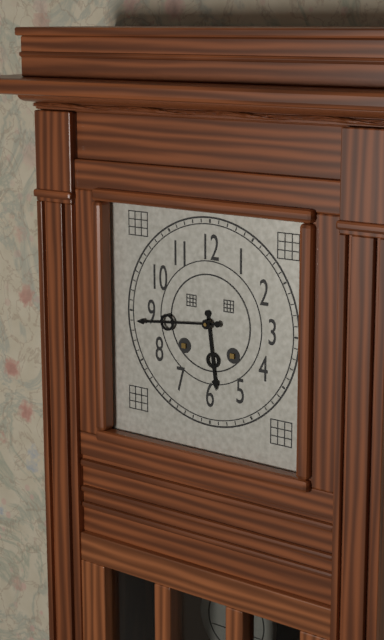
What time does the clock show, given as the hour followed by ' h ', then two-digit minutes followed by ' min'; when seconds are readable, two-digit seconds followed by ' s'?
5 h 44 min
